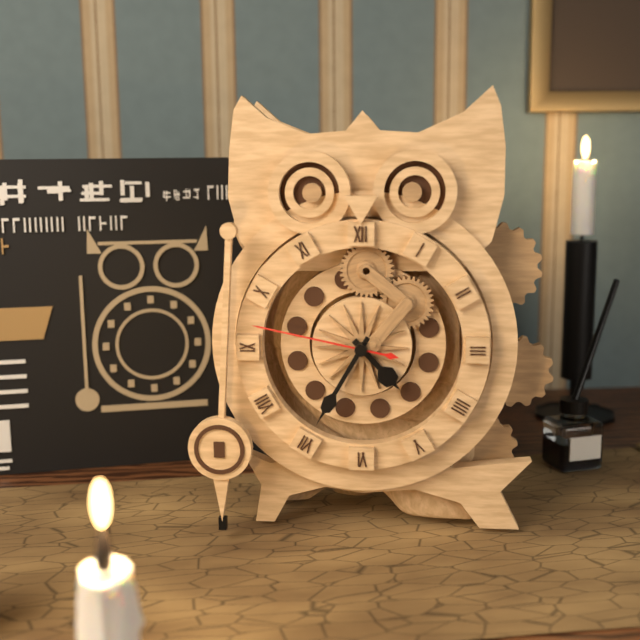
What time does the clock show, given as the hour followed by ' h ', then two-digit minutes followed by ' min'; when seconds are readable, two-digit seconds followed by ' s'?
4 h 35 min 47 s
